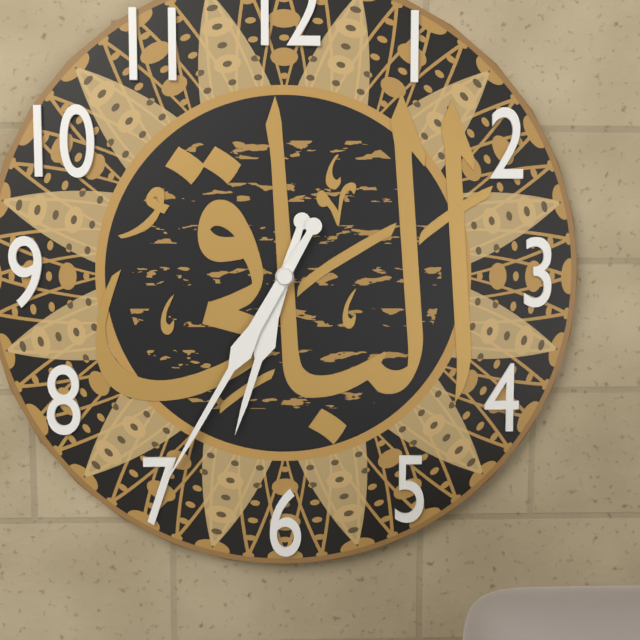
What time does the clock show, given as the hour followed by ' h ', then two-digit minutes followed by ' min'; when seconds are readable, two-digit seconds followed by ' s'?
6 h 35 min
